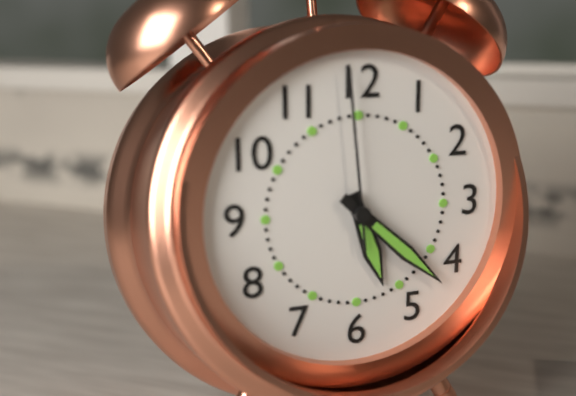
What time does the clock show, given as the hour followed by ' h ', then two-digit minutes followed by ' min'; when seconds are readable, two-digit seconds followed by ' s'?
5 h 22 min 59 s
